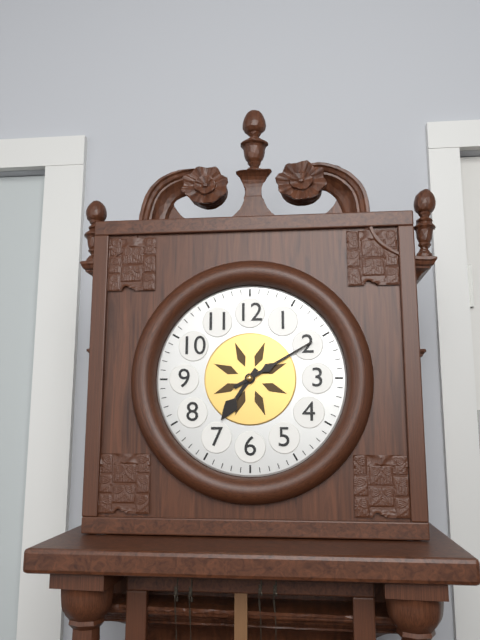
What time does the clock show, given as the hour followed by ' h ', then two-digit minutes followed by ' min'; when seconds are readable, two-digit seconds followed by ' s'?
7 h 10 min
